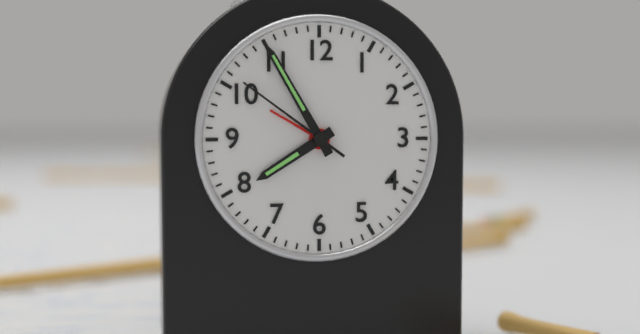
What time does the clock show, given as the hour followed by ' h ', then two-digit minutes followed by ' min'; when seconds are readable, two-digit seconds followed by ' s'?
7 h 55 min 51 s
